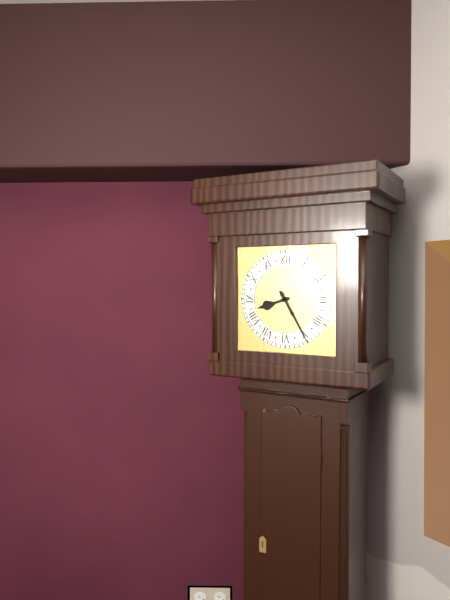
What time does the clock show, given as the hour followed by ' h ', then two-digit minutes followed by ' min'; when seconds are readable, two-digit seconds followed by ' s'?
8 h 25 min
